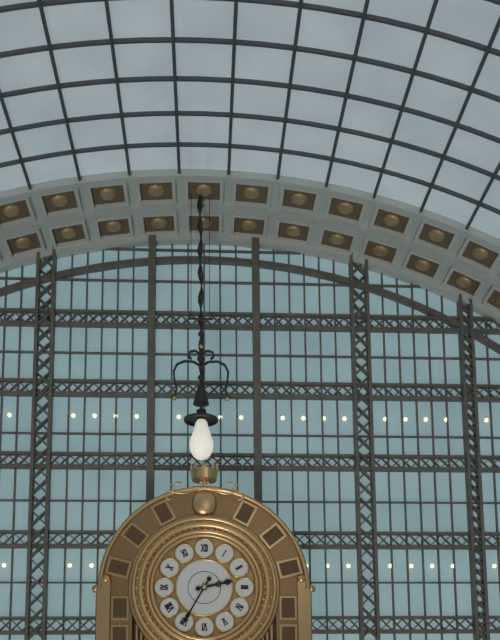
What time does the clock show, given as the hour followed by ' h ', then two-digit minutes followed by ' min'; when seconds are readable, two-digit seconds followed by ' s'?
2 h 35 min
